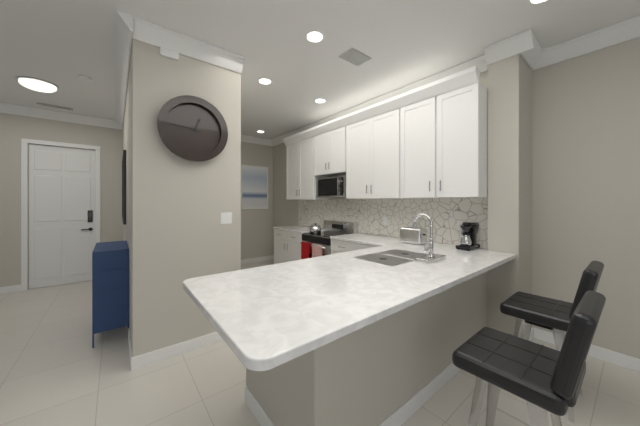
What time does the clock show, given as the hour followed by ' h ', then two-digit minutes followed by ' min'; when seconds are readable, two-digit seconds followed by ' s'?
12 h 46 min
